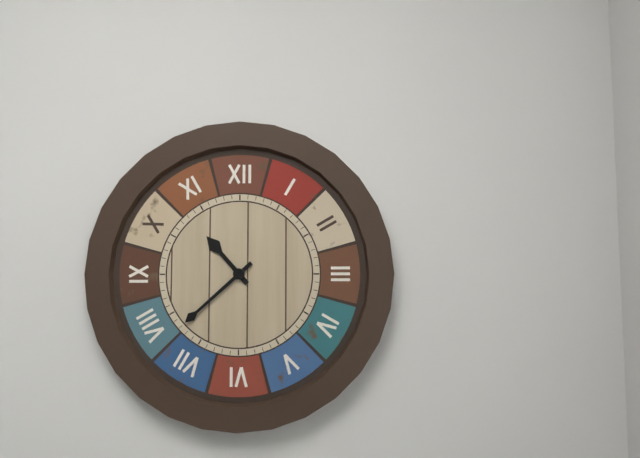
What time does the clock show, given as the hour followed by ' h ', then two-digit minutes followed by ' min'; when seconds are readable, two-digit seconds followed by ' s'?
10 h 38 min
